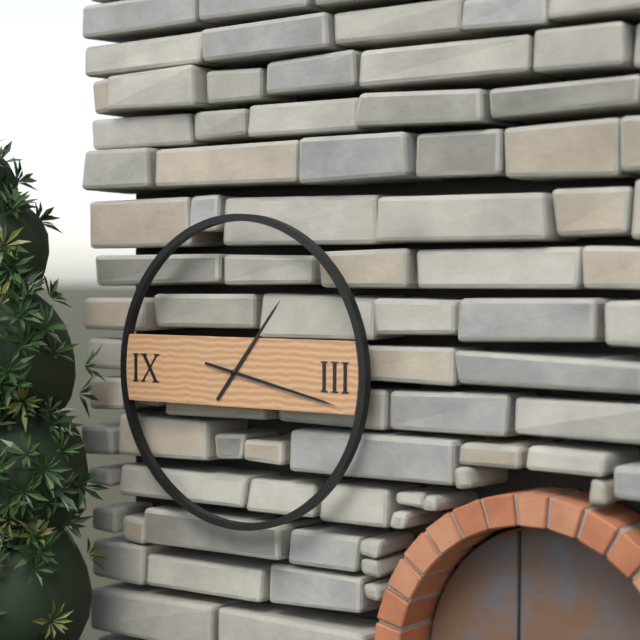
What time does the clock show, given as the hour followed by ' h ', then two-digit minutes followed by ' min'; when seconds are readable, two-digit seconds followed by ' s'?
1 h 17 min
